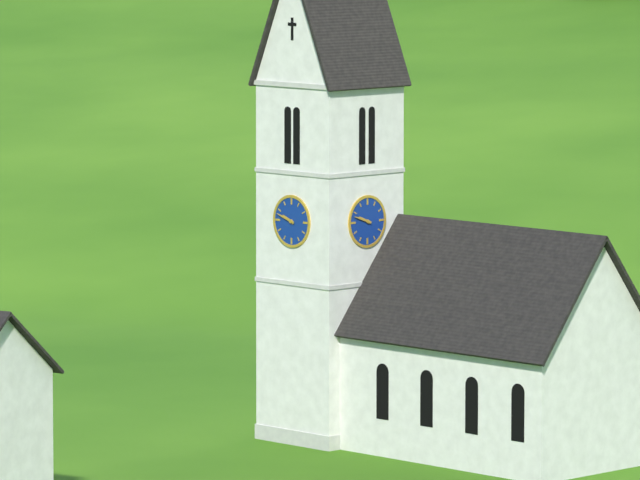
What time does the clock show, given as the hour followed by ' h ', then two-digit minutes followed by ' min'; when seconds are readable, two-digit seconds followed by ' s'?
9 h 48 min
